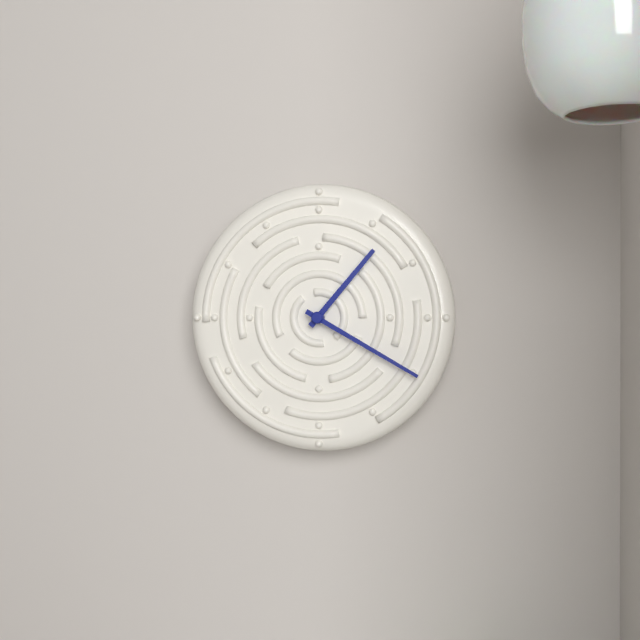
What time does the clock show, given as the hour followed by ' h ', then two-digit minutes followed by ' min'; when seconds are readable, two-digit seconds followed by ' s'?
1 h 20 min
